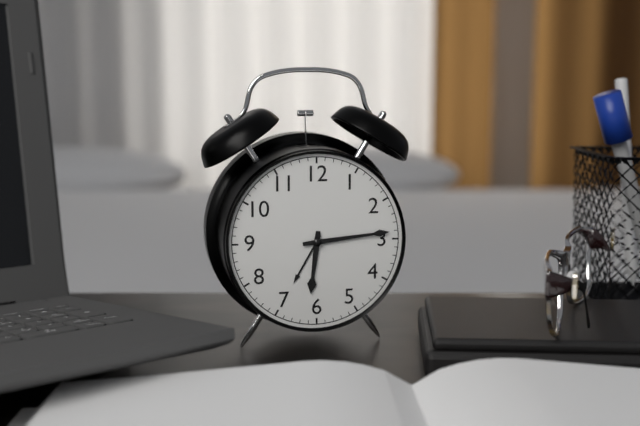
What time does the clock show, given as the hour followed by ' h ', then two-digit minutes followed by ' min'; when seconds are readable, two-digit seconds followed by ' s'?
6 h 14 min
